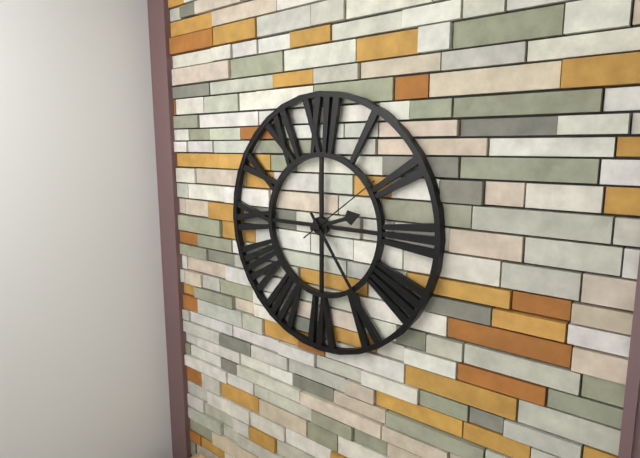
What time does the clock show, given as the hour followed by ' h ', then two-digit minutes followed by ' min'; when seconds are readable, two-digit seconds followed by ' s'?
2 h 24 min 09 s
